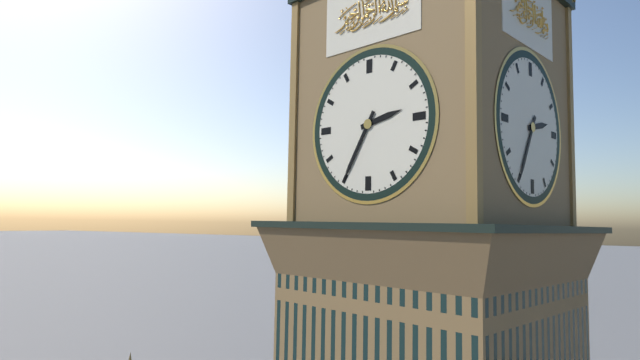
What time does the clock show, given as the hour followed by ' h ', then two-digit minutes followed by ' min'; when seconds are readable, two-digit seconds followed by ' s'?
2 h 35 min
